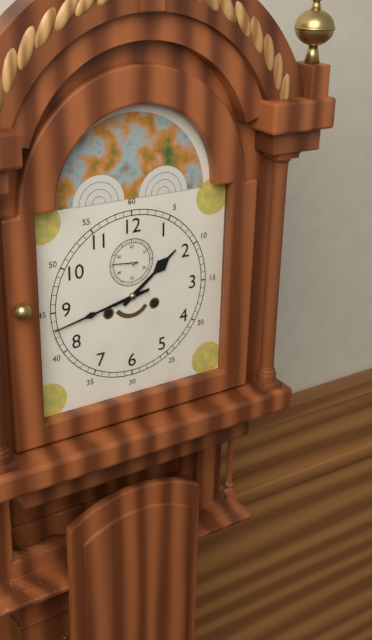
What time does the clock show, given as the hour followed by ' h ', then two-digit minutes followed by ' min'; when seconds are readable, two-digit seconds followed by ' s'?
1 h 43 min
